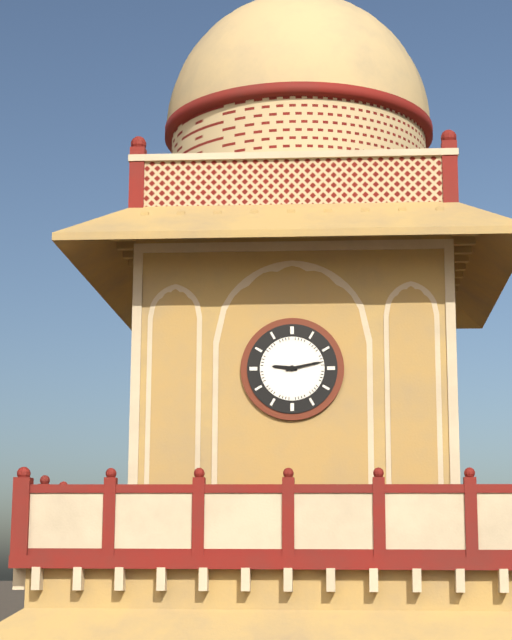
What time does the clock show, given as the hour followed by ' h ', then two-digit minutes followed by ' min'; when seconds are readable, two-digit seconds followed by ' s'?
9 h 13 min
